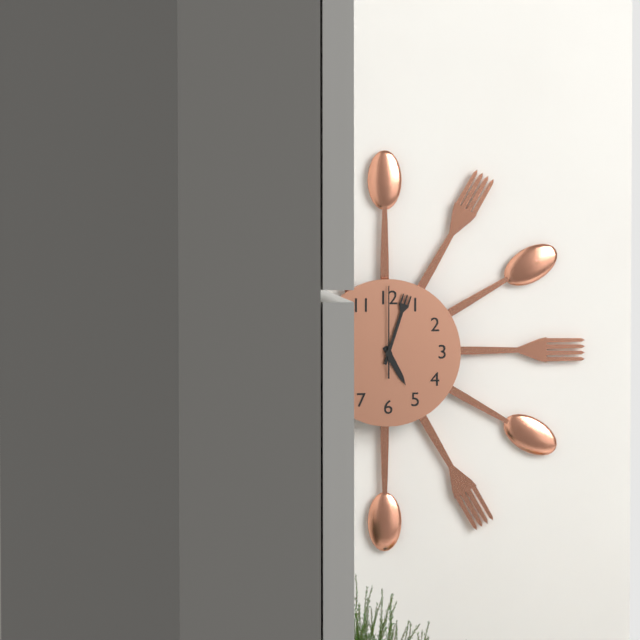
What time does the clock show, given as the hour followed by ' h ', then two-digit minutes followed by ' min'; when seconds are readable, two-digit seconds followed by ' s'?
5 h 03 min 00 s
